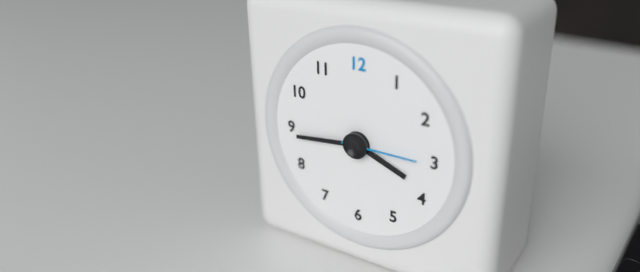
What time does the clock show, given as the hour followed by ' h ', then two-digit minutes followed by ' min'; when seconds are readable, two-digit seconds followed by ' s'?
3 h 44 min 15 s
